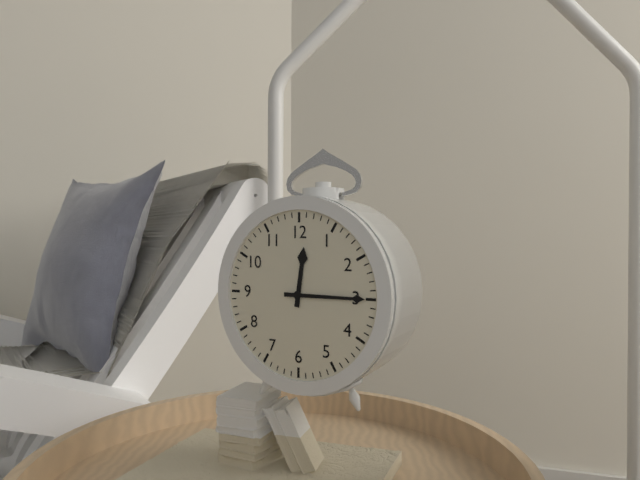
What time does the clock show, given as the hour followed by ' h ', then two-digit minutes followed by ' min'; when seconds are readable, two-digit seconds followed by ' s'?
12 h 15 min
